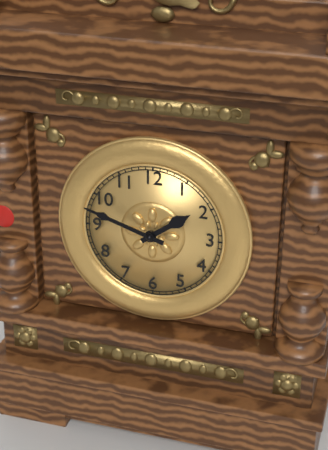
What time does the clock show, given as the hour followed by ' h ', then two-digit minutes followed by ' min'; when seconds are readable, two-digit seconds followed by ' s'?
1 h 48 min
